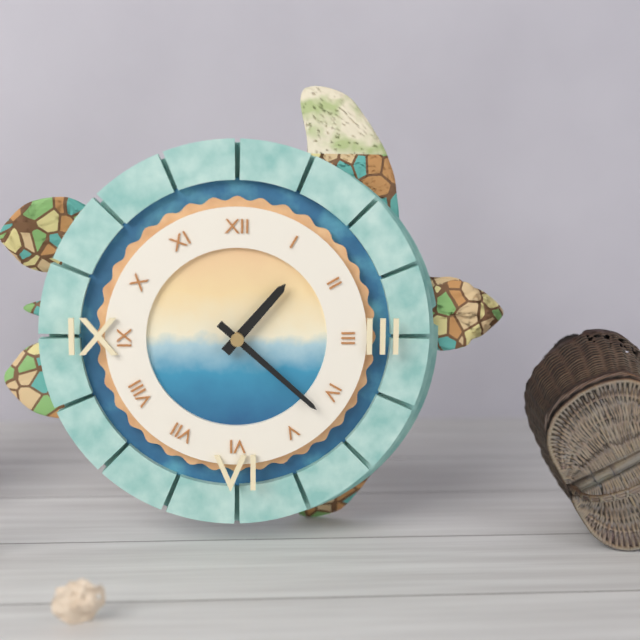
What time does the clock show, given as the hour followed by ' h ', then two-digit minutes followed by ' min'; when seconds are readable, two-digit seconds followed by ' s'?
1 h 22 min
